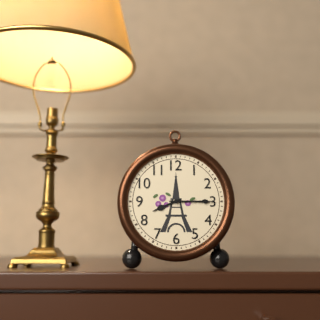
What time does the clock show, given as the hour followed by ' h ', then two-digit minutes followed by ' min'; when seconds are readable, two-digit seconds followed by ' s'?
8 h 15 min
